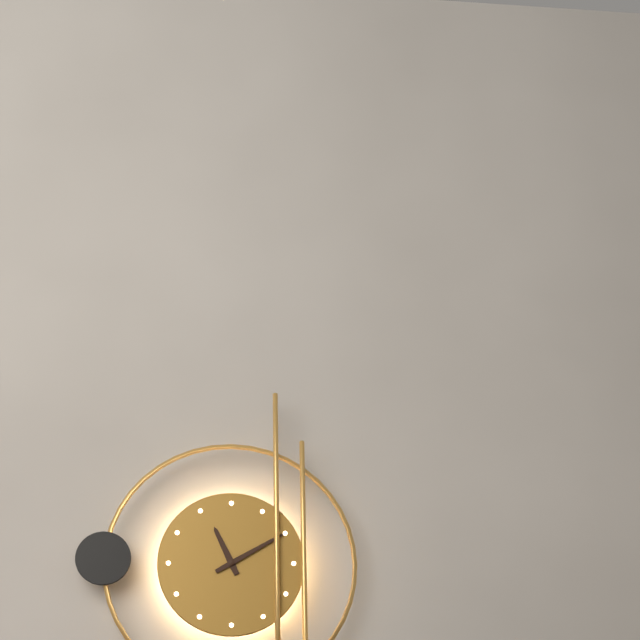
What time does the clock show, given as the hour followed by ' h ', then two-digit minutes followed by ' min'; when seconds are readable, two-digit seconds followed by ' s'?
11 h 10 min
